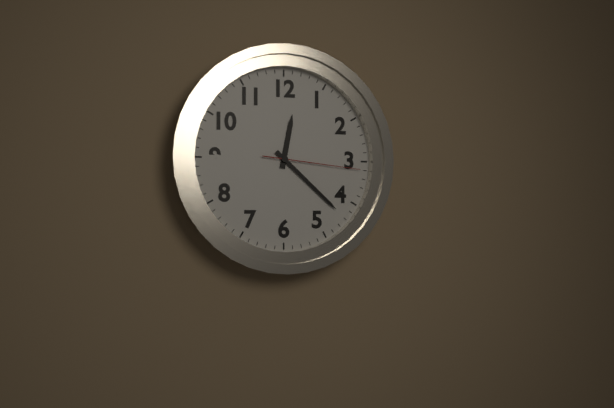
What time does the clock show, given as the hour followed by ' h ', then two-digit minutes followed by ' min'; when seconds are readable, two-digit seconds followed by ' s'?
12 h 22 min 16 s
